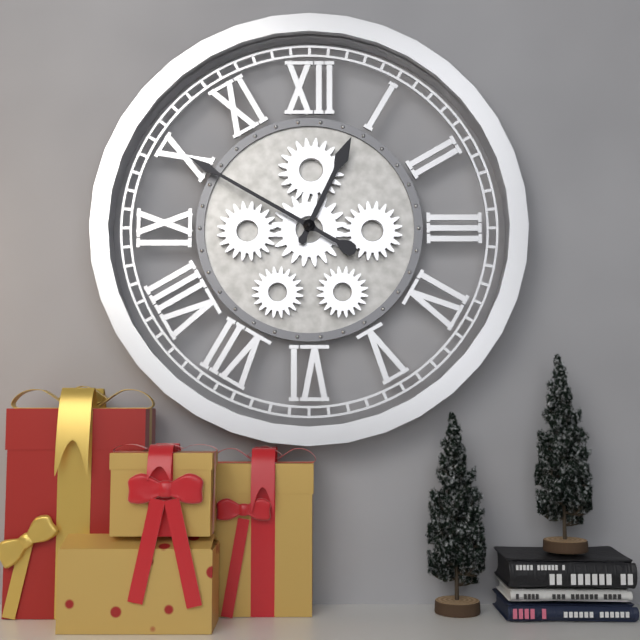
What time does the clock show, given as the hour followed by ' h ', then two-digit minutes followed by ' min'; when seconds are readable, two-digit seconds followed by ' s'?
12 h 50 min
